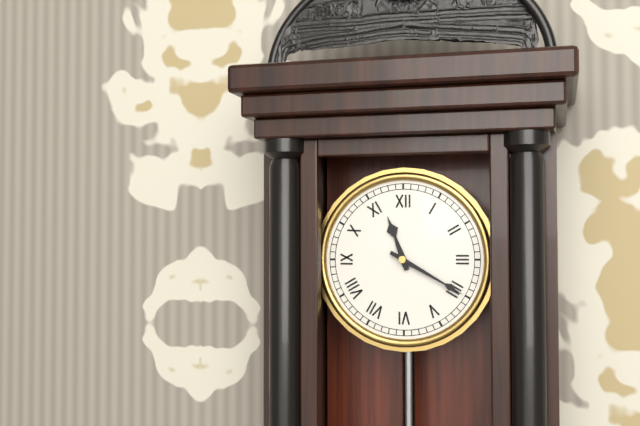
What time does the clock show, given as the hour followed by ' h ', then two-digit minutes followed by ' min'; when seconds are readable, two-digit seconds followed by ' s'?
11 h 20 min
